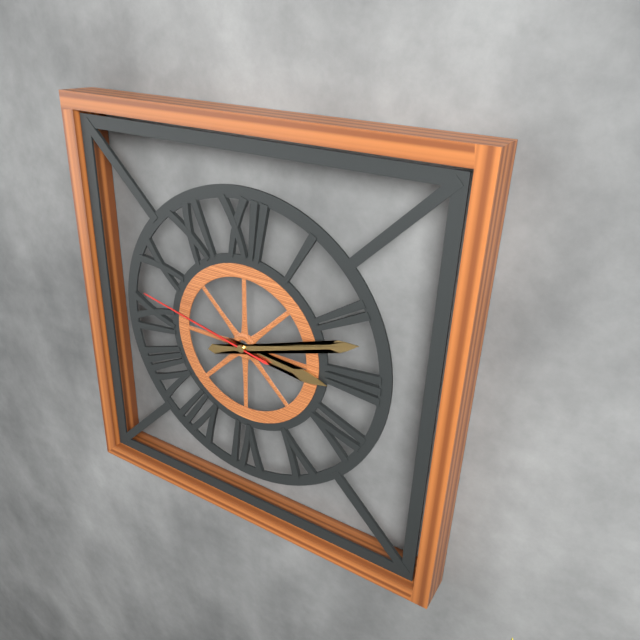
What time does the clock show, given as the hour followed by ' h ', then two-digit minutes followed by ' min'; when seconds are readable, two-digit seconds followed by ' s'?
3 h 12 min 47 s
